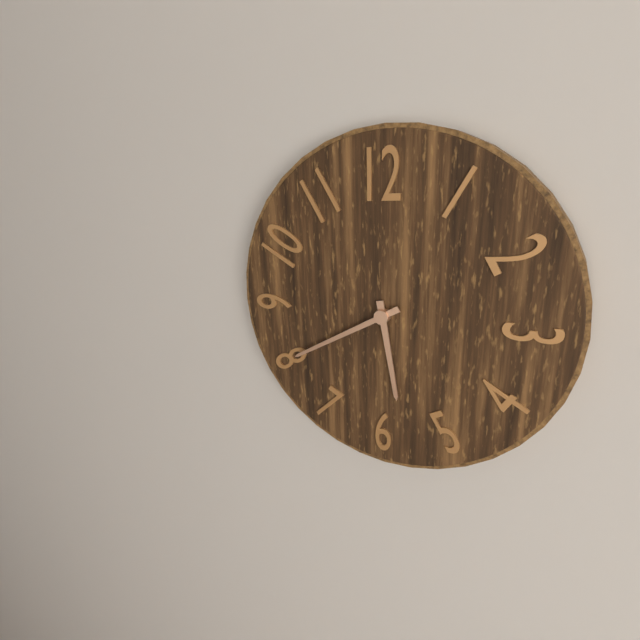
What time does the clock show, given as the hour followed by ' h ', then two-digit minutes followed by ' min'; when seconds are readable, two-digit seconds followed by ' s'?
5 h 40 min
